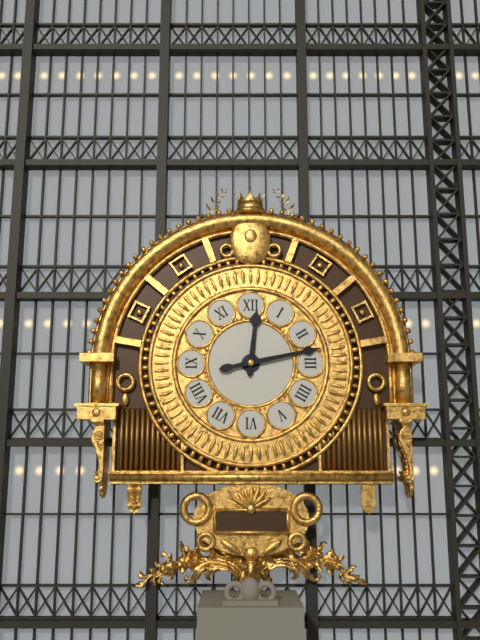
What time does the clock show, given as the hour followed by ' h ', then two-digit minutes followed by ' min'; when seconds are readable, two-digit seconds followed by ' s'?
12 h 13 min
